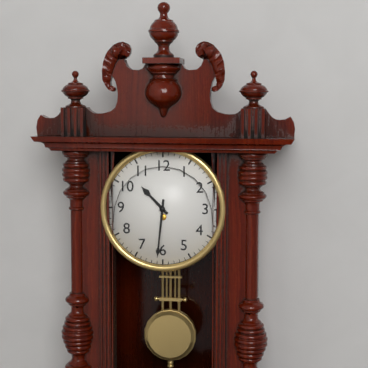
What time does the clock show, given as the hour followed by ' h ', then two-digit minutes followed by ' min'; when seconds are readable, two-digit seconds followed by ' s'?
10 h 31 min
